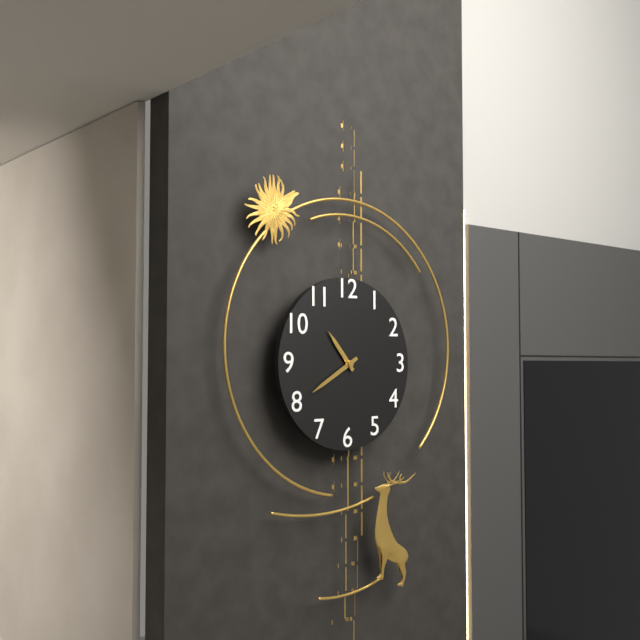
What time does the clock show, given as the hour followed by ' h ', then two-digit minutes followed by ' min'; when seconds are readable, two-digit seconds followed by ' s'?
10 h 40 min
